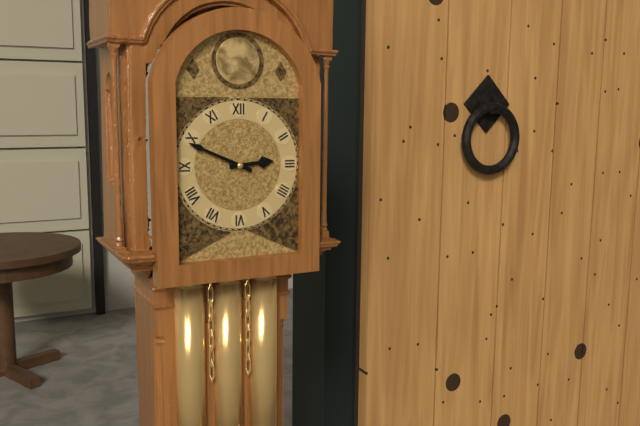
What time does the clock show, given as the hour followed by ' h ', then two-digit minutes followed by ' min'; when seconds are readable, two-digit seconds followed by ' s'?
2 h 49 min
